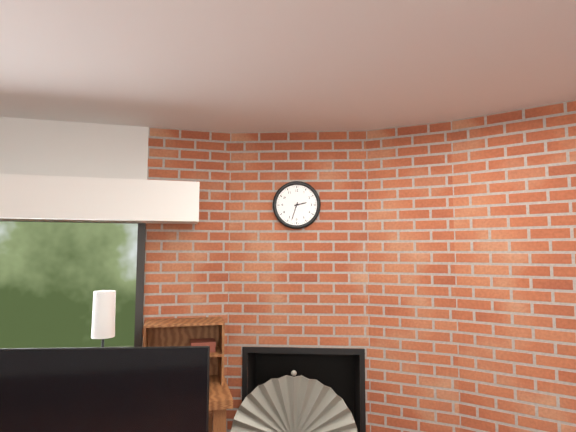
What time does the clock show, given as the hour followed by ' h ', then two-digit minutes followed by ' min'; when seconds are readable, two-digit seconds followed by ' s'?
2 h 33 min
